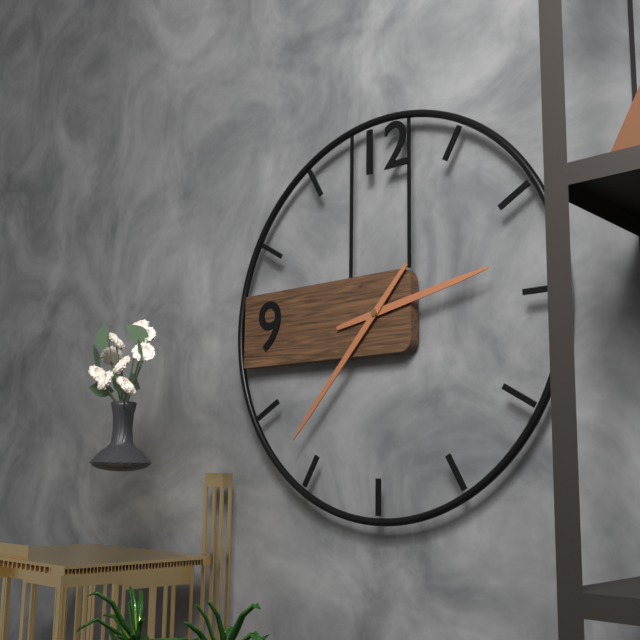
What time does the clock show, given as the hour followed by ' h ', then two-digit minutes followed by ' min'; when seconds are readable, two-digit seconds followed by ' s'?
2 h 37 min
